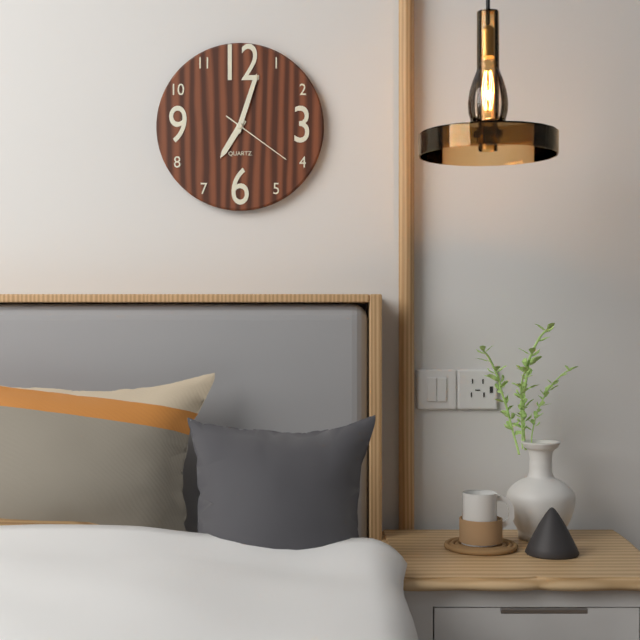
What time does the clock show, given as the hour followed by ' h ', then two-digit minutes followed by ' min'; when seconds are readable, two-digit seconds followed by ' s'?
7 h 03 min 21 s
